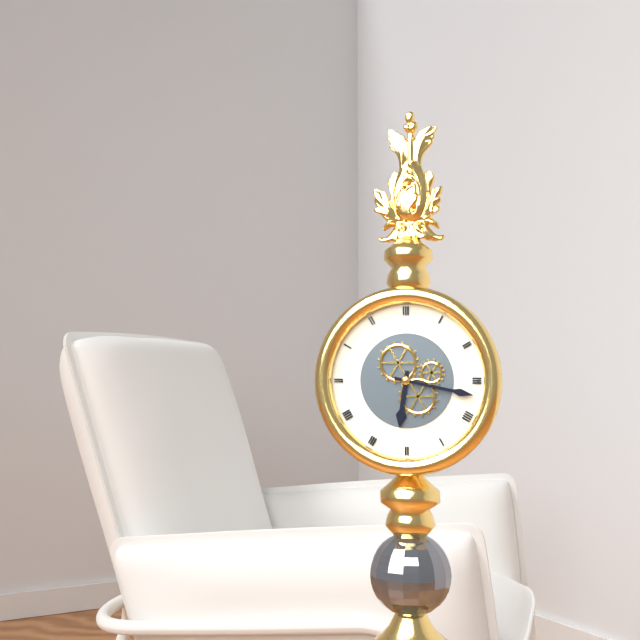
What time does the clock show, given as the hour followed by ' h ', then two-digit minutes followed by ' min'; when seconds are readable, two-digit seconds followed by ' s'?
6 h 17 min
